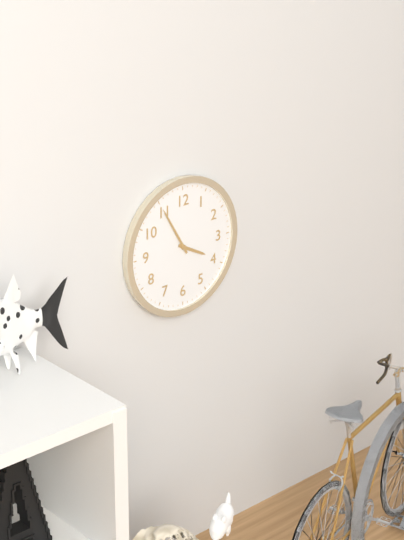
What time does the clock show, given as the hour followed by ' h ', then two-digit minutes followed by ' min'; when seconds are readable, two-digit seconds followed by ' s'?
3 h 55 min
